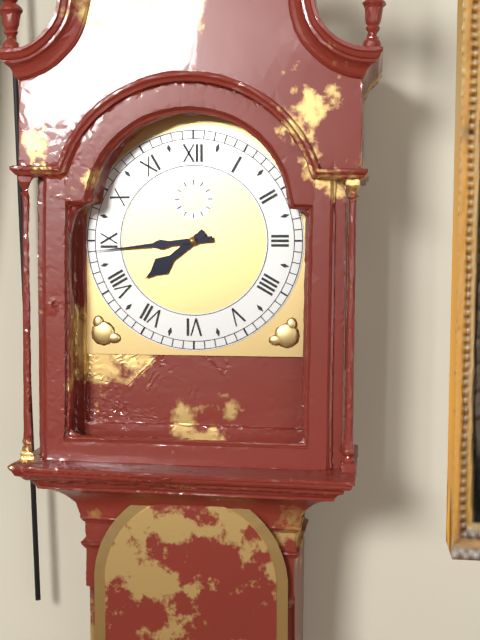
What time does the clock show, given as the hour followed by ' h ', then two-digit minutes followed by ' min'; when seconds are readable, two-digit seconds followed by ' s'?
7 h 44 min
